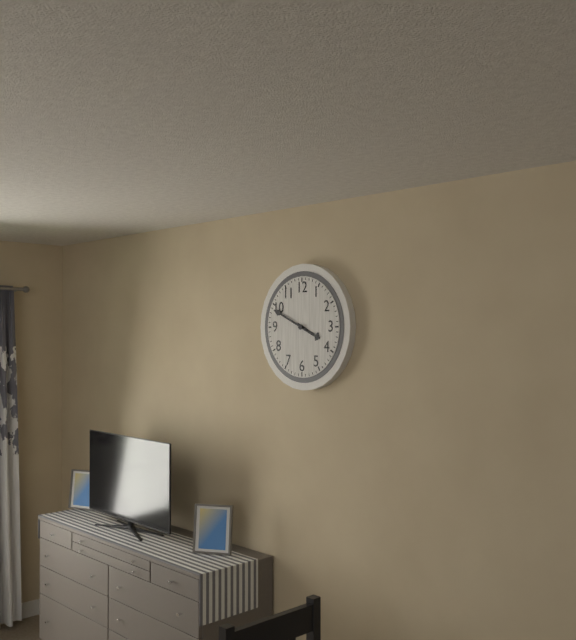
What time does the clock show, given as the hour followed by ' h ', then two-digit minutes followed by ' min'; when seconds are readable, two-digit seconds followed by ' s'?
3 h 49 min
